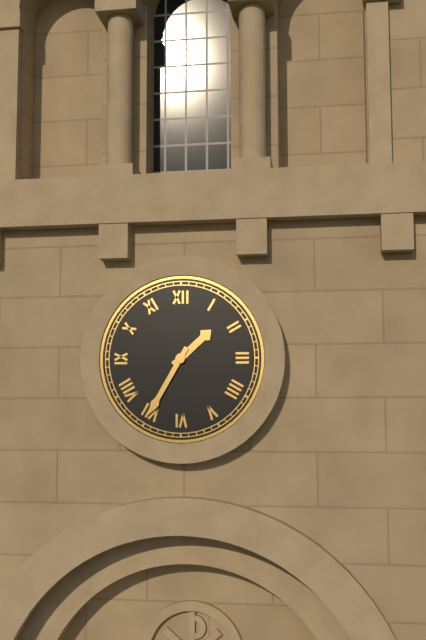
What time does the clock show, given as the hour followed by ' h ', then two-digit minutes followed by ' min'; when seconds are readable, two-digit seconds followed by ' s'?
1 h 35 min
